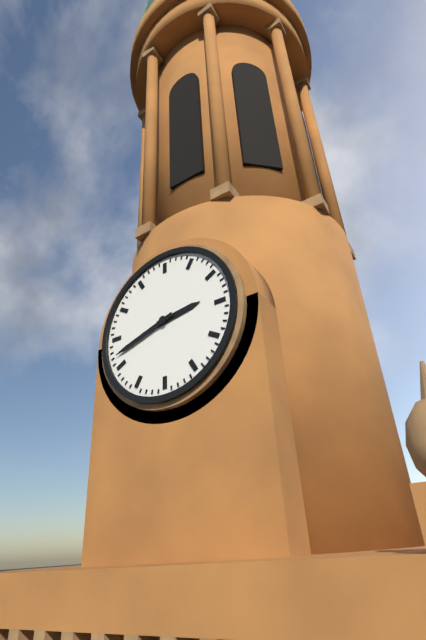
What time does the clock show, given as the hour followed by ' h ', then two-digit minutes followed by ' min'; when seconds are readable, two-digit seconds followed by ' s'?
2 h 42 min
